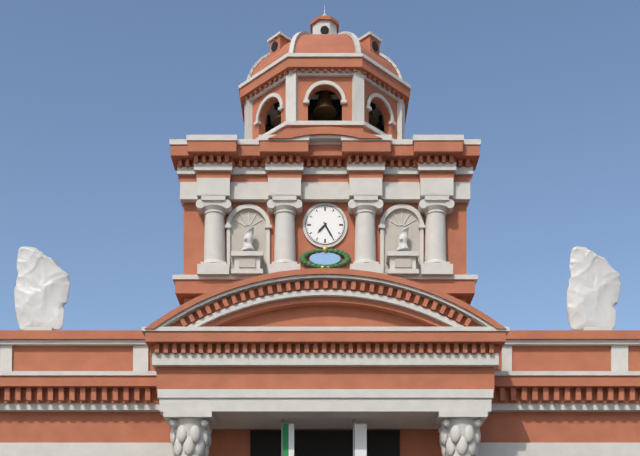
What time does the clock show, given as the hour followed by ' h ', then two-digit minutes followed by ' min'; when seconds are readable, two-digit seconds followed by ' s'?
7 h 25 min
